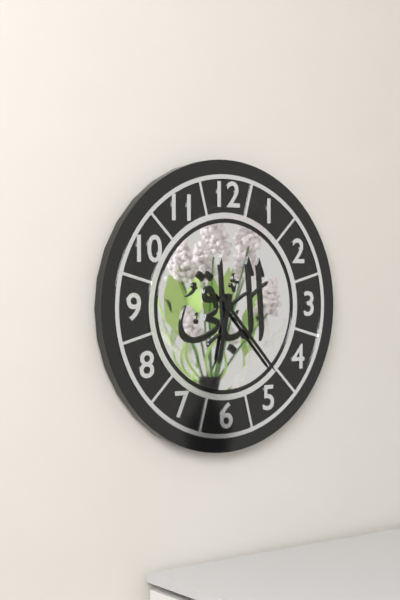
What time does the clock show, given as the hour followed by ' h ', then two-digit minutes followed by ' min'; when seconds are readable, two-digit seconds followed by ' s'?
6 h 23 min
